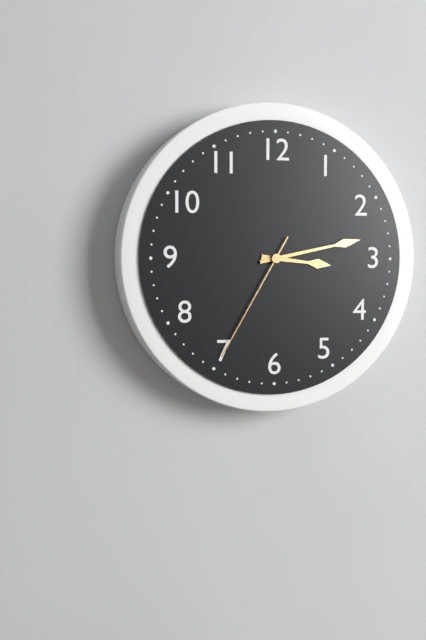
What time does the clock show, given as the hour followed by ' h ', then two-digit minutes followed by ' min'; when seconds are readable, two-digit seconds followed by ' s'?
3 h 13 min 35 s
